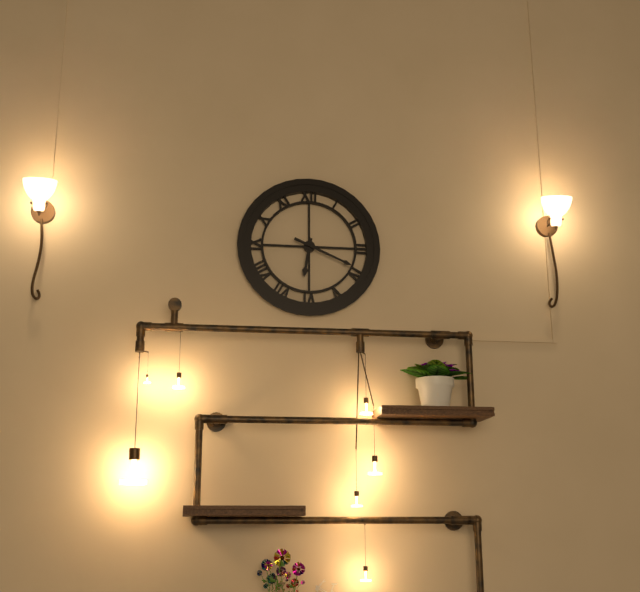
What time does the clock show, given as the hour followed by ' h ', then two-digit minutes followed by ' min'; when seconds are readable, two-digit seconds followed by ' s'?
6 h 19 min
